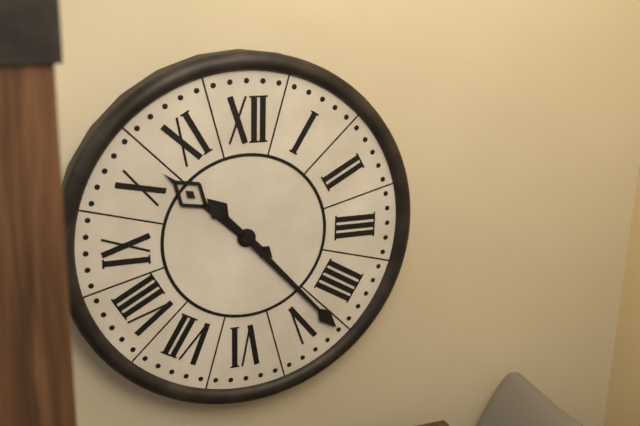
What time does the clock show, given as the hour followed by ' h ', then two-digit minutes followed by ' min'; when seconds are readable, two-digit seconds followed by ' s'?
10 h 23 min
